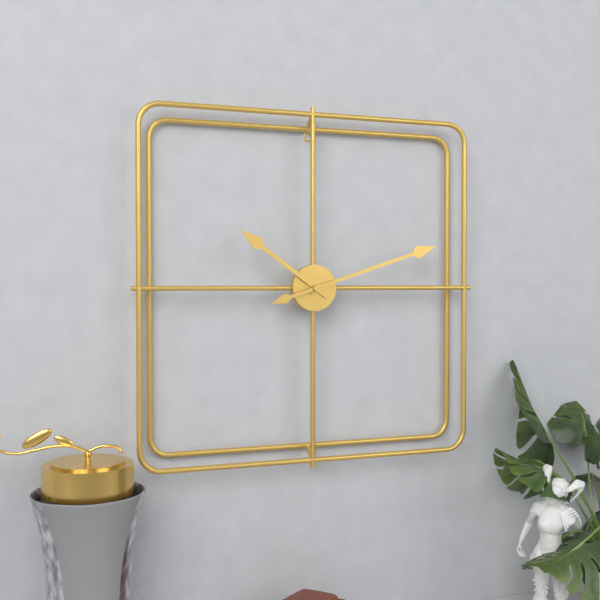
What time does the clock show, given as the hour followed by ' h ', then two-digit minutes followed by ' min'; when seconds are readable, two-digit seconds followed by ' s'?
10 h 12 min
